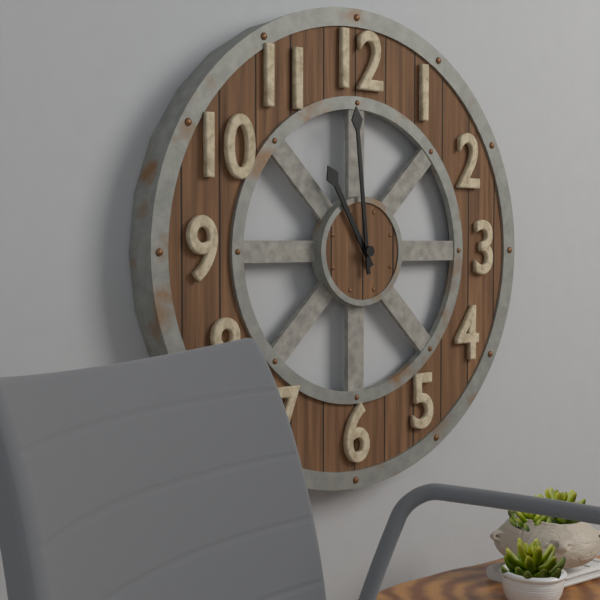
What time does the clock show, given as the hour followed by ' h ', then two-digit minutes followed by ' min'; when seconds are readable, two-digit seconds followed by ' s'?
10 h 59 min
